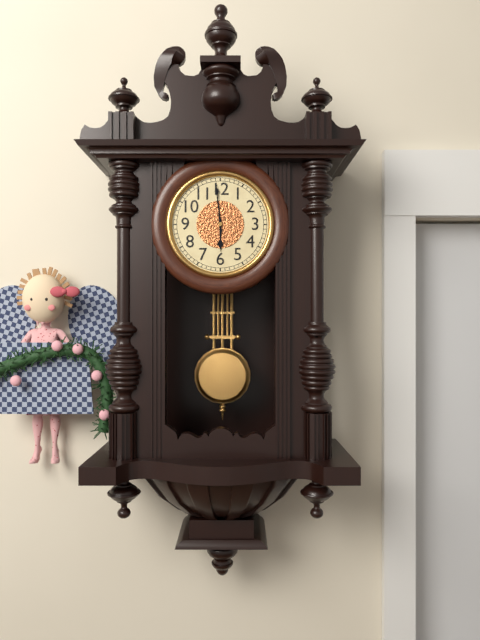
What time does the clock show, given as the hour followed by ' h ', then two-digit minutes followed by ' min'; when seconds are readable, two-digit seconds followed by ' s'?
5 h 59 min
